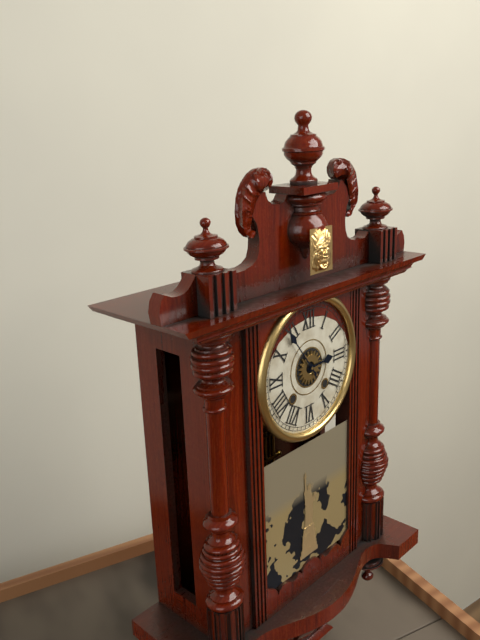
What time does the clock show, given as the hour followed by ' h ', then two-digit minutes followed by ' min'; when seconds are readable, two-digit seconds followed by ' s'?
2 h 54 min
